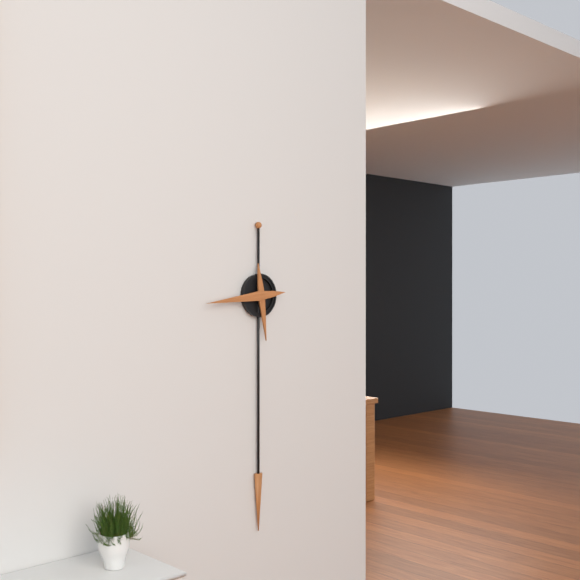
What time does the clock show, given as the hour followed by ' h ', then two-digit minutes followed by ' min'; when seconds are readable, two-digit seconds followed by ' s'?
5 h 44 min
